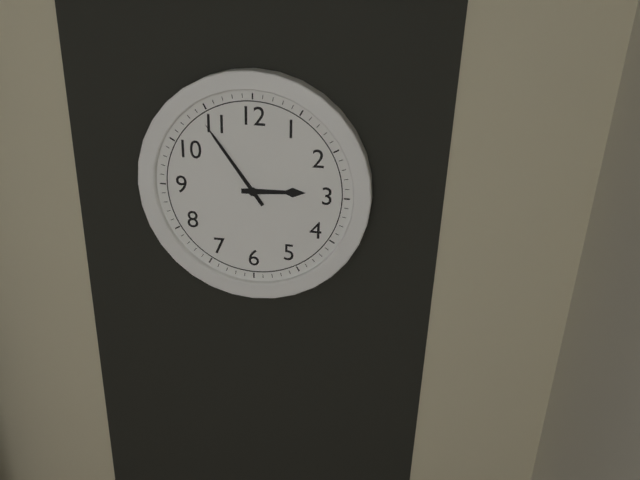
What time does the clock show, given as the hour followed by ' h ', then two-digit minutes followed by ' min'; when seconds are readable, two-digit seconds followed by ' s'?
2 h 54 min
